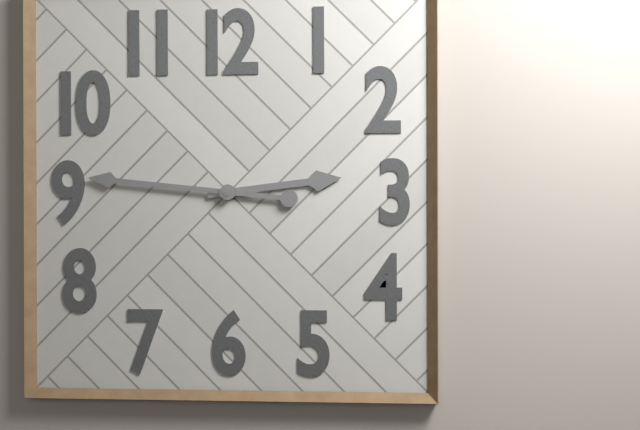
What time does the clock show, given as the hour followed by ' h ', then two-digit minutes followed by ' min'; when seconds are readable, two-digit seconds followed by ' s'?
2 h 46 min
